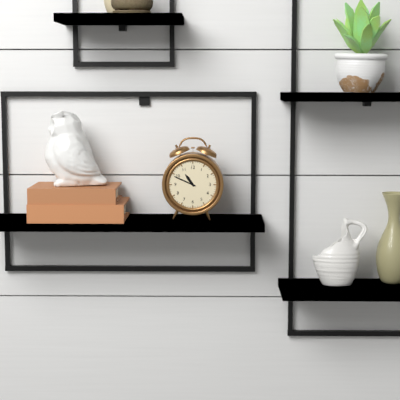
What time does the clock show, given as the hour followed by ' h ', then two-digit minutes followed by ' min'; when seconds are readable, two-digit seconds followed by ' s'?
10 h 49 min
